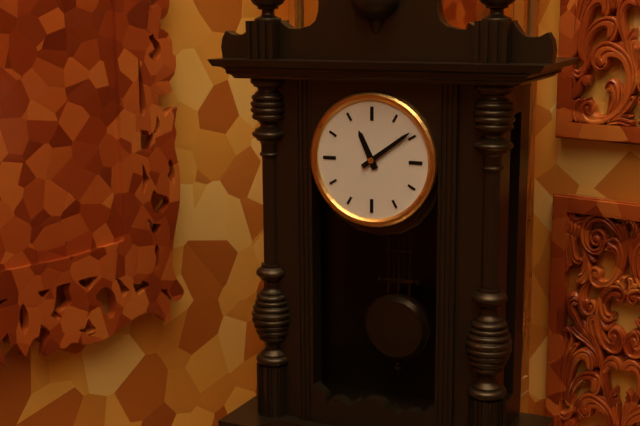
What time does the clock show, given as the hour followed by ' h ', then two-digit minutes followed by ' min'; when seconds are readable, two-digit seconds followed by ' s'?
11 h 09 min
